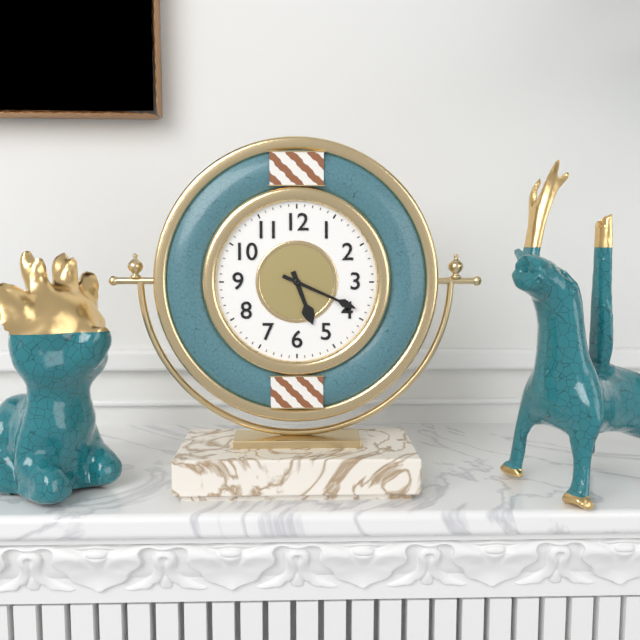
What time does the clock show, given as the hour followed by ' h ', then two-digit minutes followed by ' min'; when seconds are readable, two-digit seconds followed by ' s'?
5 h 19 min
